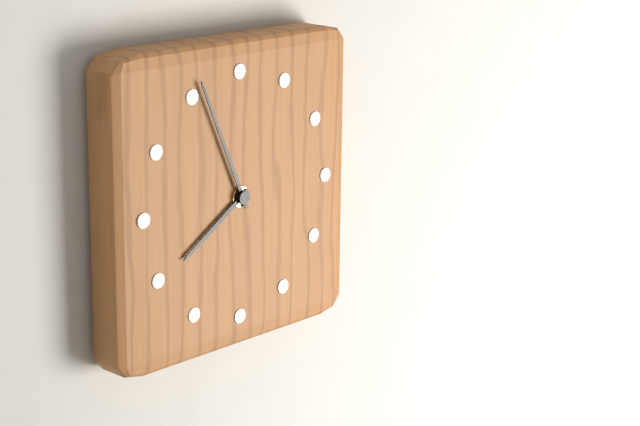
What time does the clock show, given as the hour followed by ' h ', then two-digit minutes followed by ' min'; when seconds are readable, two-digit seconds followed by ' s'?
7 h 56 min
